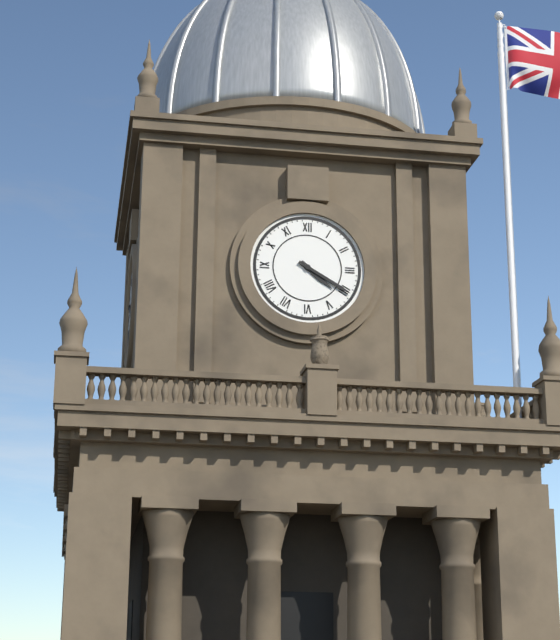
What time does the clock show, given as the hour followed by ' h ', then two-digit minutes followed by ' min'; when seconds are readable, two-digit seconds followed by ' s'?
4 h 20 min
